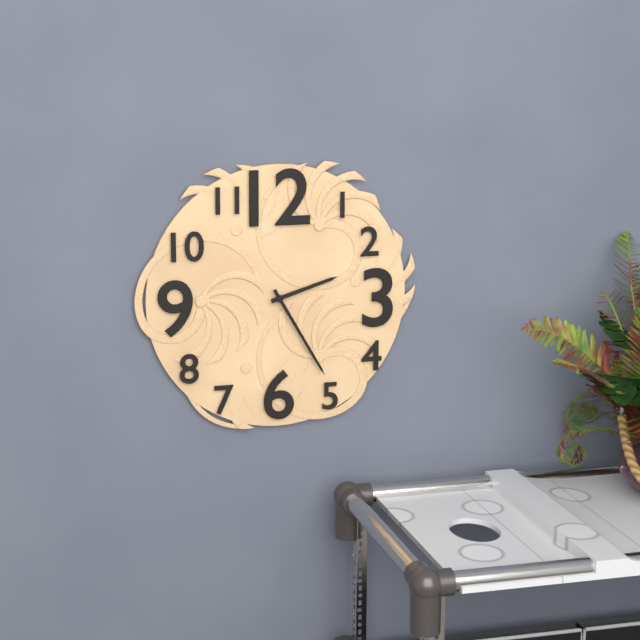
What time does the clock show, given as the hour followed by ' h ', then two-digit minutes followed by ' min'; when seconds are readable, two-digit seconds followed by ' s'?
2 h 25 min
